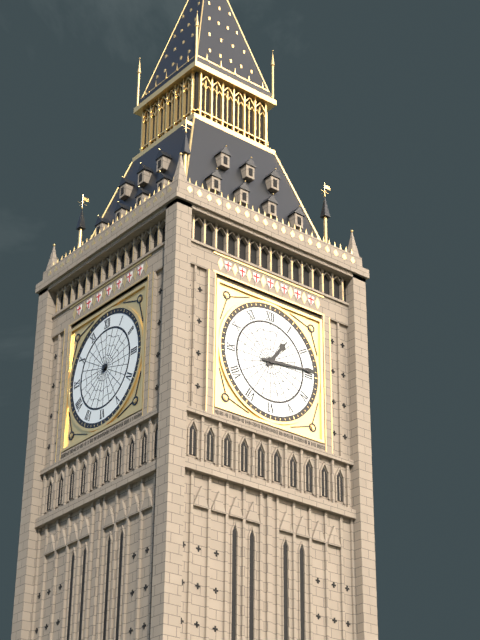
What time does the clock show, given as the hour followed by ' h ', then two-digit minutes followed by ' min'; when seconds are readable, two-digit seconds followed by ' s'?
1 h 14 min
